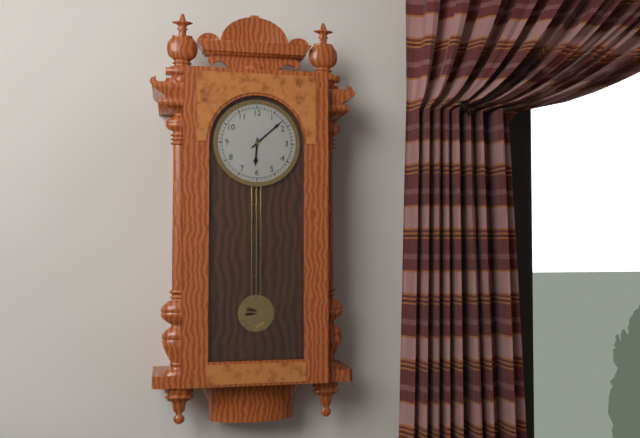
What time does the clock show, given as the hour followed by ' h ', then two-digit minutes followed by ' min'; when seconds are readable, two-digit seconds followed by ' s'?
6 h 08 min
